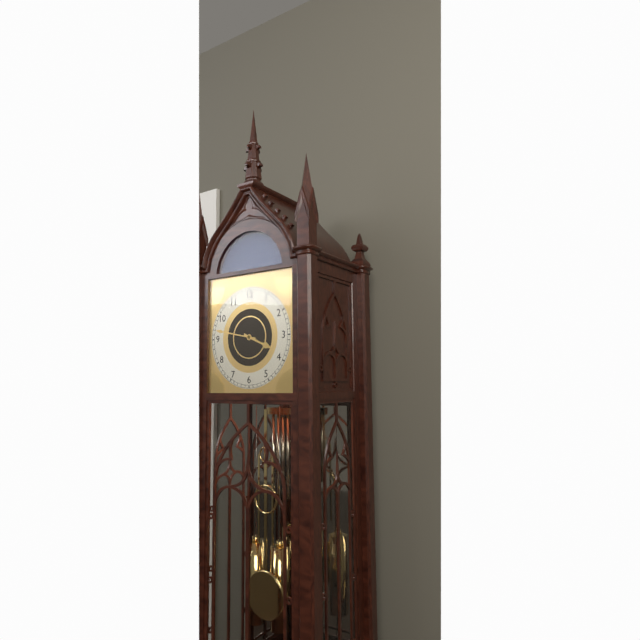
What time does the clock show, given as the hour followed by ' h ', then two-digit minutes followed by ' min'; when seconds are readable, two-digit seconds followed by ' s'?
3 h 47 min
